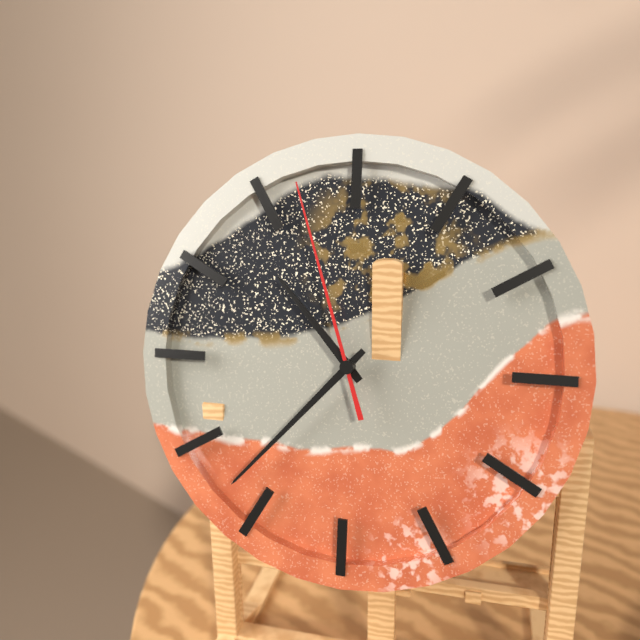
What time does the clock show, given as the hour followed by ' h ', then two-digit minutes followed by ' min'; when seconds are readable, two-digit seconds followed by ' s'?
10 h 37 min 57 s
